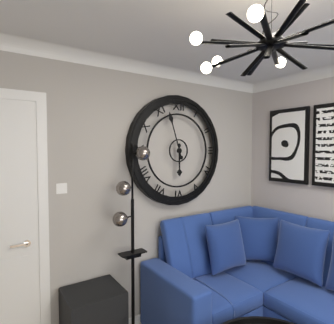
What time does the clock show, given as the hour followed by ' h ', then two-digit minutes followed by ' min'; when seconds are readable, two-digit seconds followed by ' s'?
5 h 57 min
